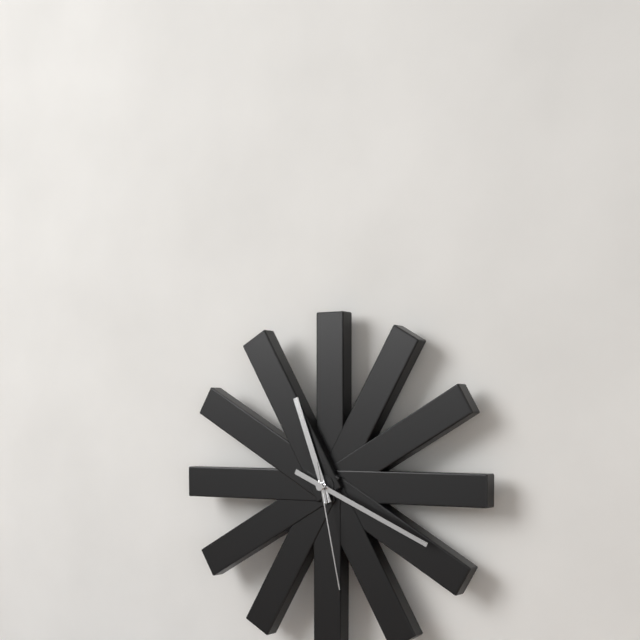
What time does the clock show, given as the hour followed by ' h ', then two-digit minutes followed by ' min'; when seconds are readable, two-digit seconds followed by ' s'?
11 h 19 min 28 s
